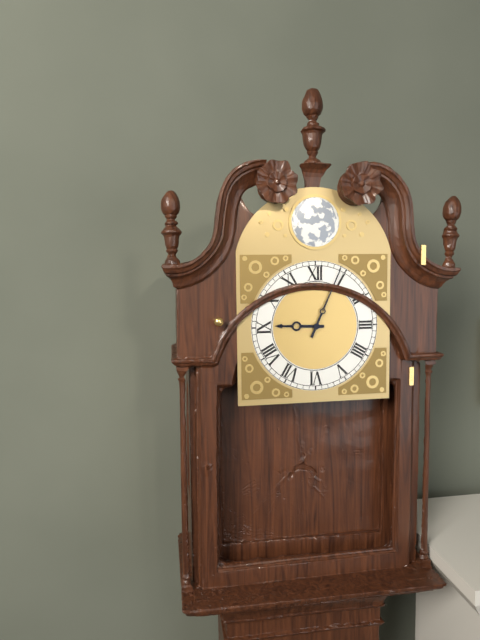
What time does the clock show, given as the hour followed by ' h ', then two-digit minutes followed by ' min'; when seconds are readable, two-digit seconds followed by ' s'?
9 h 04 min
